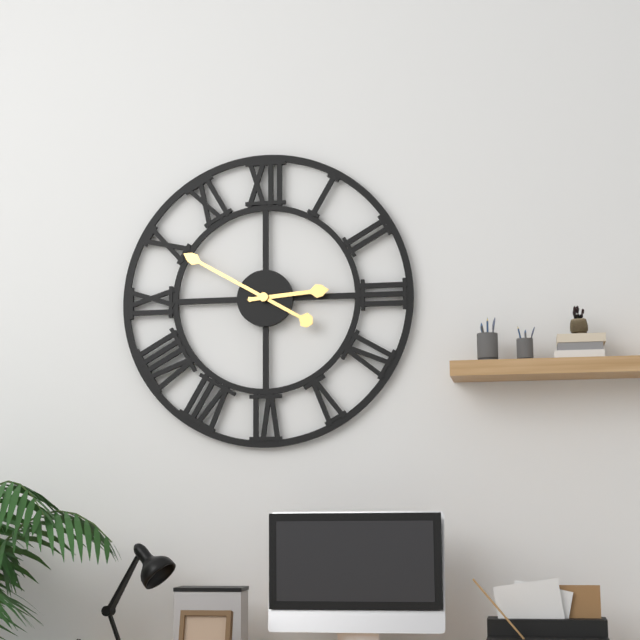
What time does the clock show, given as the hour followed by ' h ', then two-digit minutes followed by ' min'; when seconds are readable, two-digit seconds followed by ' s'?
2 h 50 min
